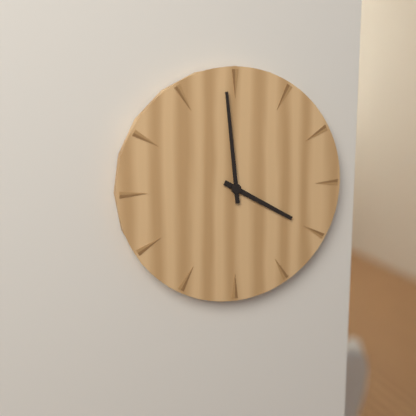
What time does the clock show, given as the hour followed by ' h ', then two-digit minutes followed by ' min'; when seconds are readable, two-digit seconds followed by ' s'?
3 h 59 min
